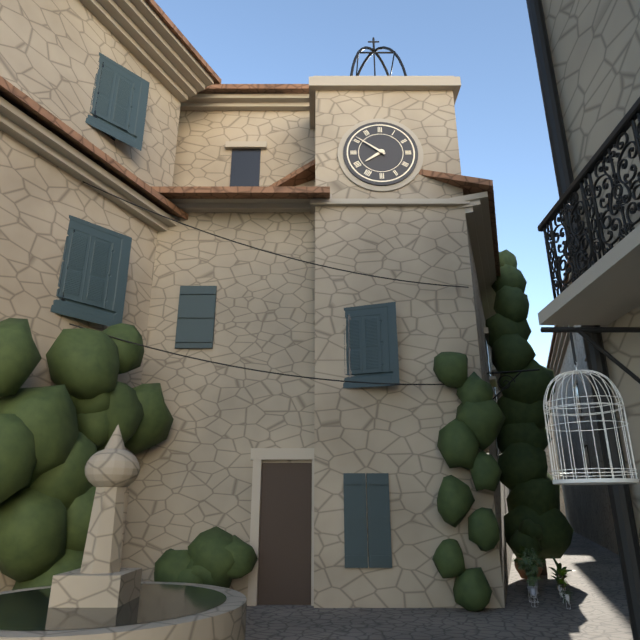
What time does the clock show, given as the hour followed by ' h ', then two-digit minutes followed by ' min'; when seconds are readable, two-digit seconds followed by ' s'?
7 h 51 min
